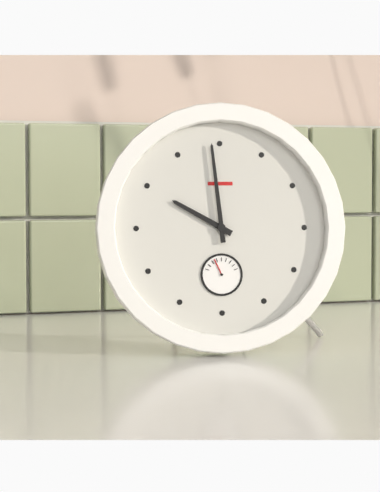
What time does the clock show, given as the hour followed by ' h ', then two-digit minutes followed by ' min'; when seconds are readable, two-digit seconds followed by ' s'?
9 h 59 min
